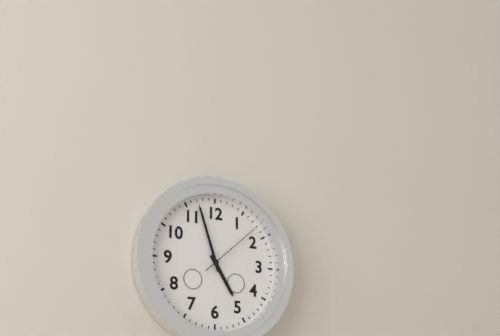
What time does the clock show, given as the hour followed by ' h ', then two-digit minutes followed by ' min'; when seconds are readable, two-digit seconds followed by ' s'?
4 h 57 min 08 s
